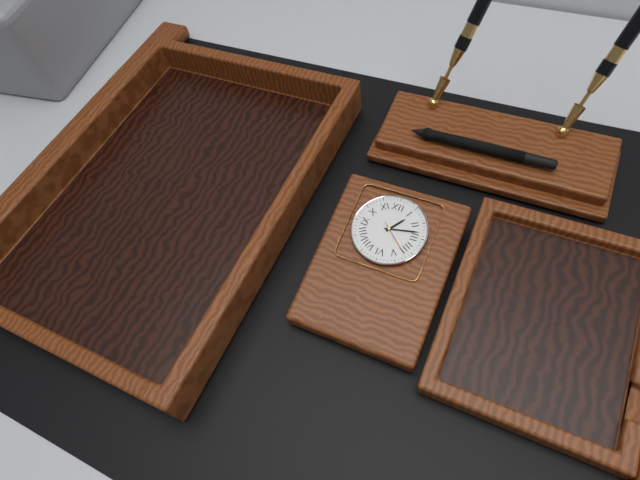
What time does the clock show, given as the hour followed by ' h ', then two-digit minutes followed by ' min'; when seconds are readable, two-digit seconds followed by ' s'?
1 h 13 min
